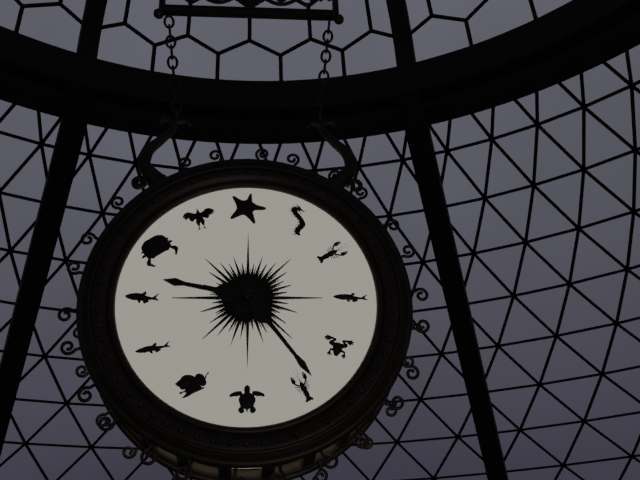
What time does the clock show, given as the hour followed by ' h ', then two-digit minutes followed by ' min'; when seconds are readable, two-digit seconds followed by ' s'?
9 h 24 min
